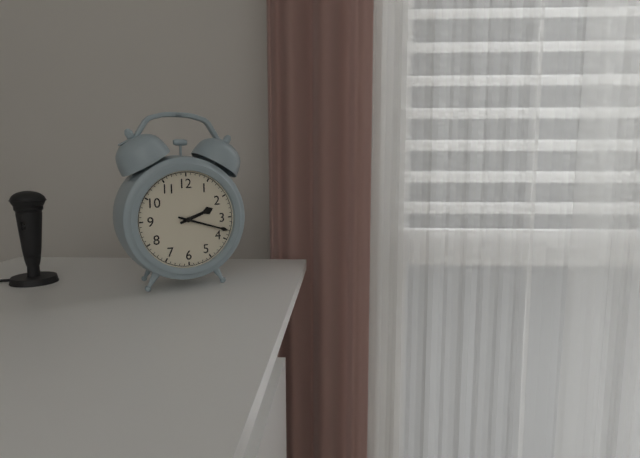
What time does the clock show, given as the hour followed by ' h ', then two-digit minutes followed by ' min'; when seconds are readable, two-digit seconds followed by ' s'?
2 h 18 min
